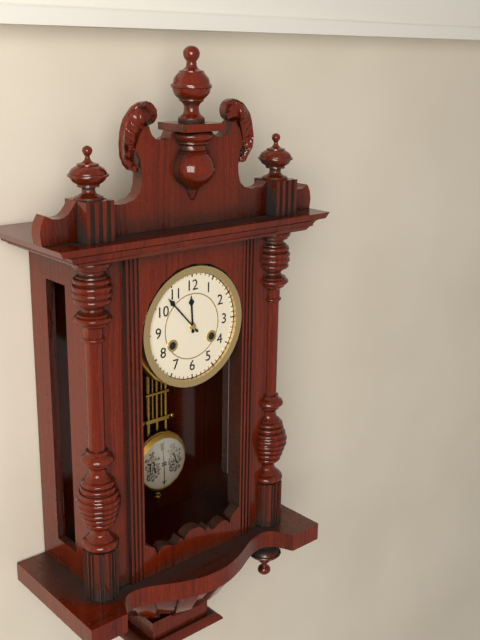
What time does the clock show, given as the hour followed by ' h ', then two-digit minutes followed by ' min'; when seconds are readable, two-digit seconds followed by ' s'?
11 h 53 min
